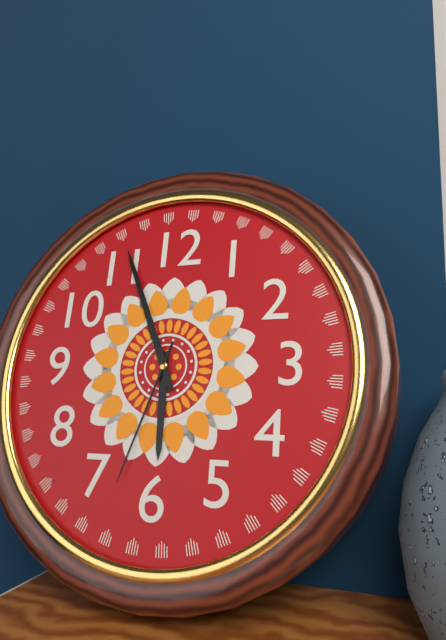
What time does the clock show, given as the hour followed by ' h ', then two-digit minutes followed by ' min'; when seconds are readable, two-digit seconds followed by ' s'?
5 h 56 min 33 s
